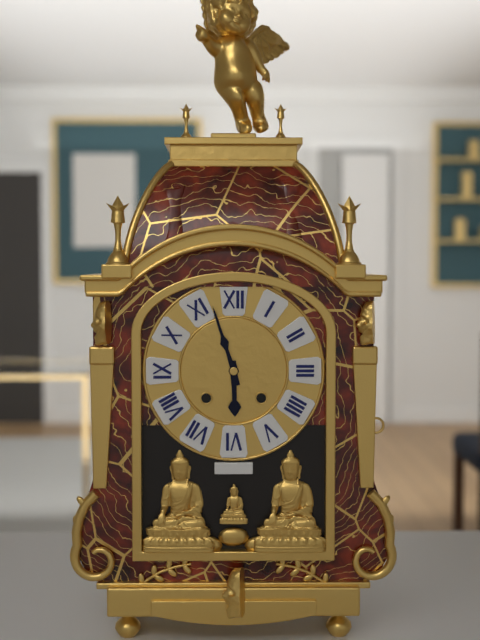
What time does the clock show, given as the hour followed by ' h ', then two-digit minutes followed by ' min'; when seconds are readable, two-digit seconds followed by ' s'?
5 h 57 min
